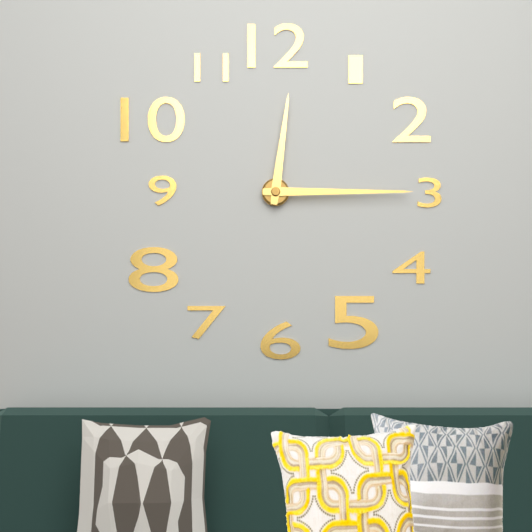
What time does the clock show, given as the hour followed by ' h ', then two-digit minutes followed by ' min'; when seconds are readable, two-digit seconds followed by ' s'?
12 h 15 min
